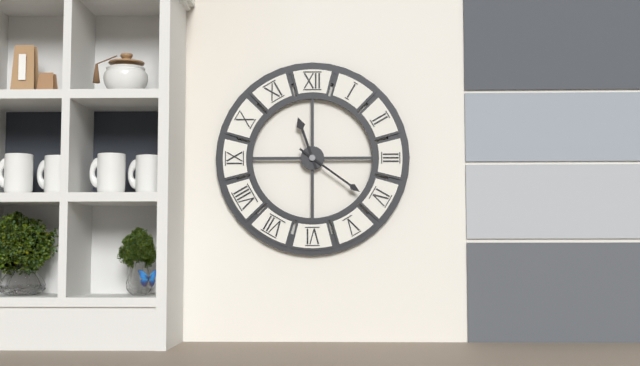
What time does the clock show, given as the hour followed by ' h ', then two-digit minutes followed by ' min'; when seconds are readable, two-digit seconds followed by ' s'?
11 h 21 min
